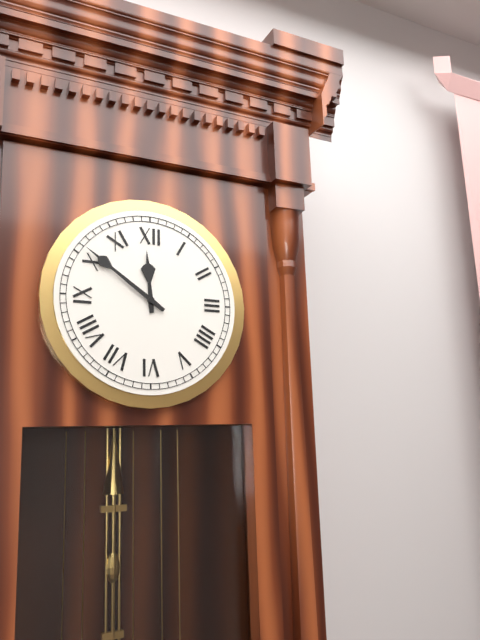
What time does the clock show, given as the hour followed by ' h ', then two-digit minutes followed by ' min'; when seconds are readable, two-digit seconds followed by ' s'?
11 h 51 min
